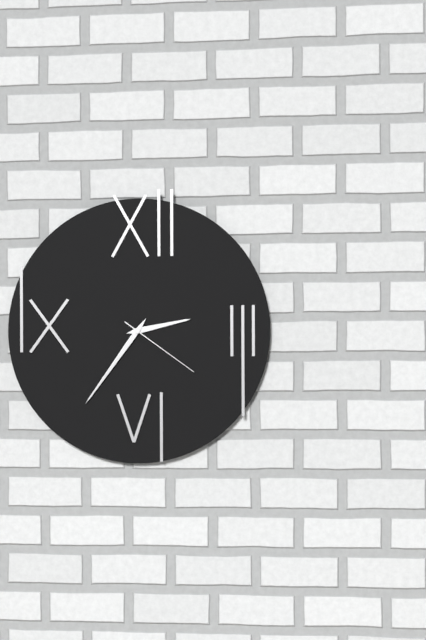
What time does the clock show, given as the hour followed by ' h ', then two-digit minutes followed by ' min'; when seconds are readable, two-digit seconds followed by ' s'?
2 h 36 min 21 s
